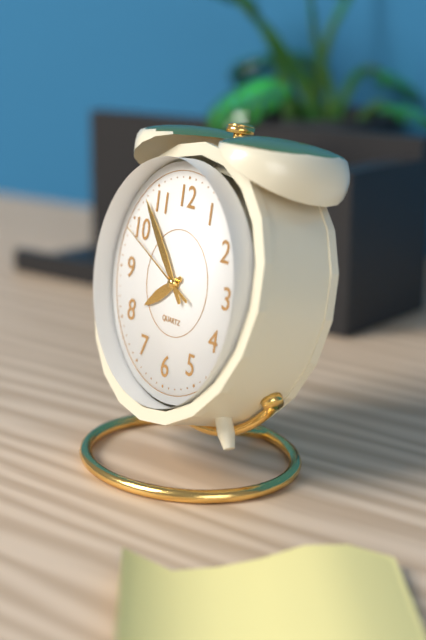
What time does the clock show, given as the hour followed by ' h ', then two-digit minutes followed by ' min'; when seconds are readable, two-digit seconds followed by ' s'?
7 h 53 min 49 s
